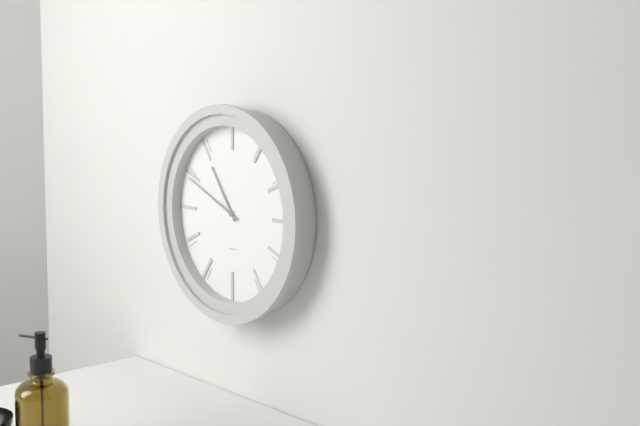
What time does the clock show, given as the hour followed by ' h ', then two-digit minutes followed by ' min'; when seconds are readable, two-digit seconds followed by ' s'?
10 h 49 min
